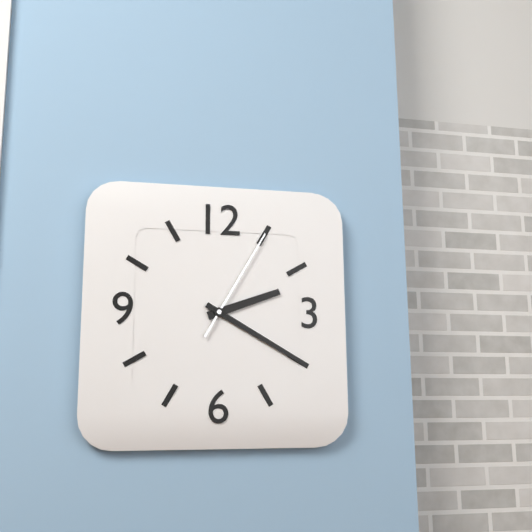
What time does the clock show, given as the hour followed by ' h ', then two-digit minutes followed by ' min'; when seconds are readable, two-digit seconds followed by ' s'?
2 h 20 min 05 s
